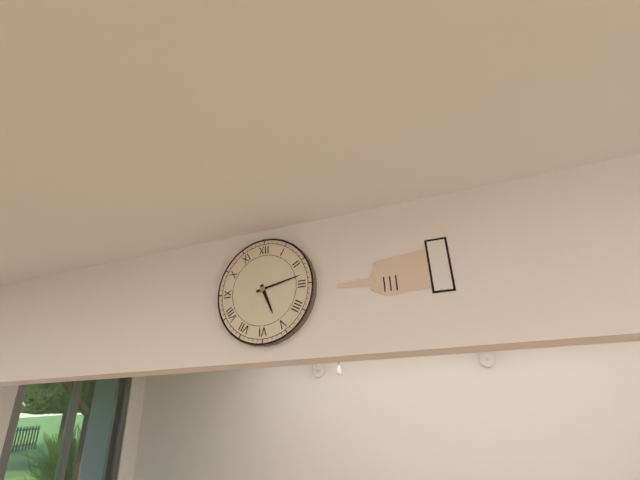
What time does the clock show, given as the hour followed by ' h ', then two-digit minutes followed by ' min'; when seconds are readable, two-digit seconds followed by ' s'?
5 h 13 min
